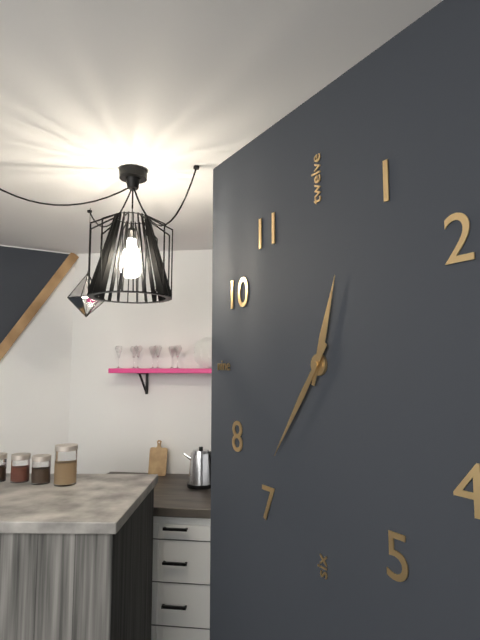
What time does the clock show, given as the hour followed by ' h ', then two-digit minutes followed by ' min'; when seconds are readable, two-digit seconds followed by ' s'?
12 h 36 min
